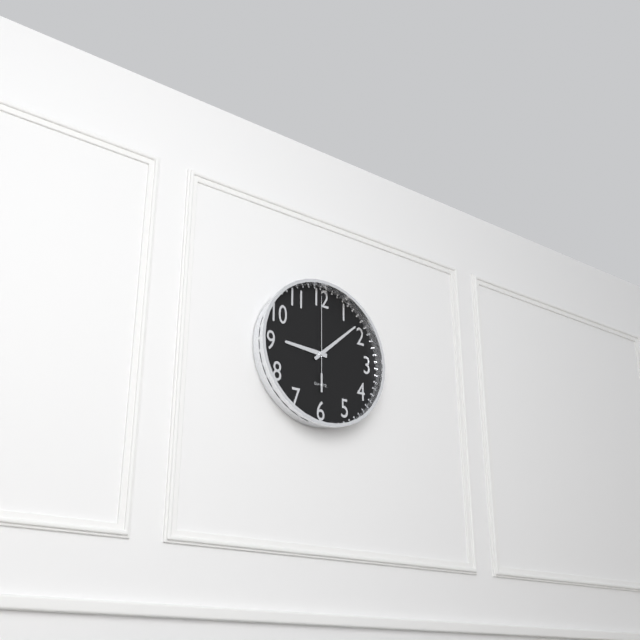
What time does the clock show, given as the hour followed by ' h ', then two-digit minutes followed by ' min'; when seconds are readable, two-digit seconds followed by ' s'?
9 h 08 min 00 s
